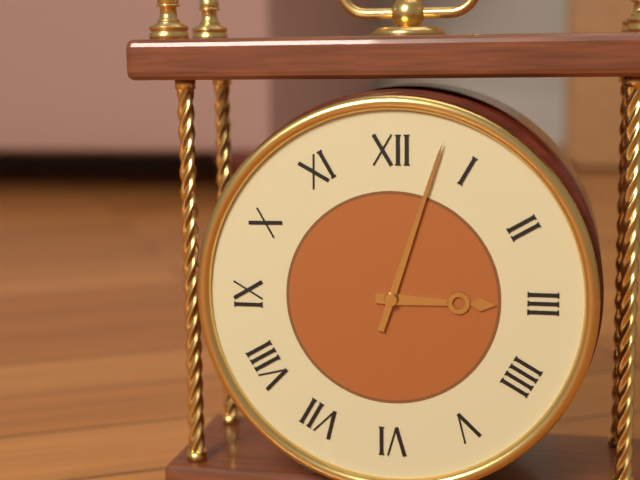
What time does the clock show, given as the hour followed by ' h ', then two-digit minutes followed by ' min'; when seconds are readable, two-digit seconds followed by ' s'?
3 h 03 min
